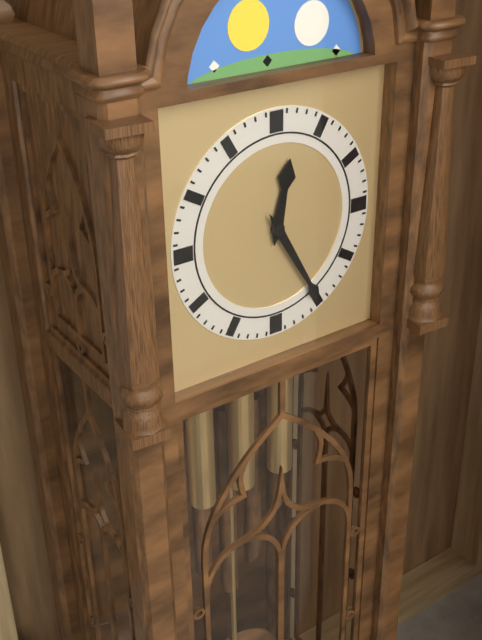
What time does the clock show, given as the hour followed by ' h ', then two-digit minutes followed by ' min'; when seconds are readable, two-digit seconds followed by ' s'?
12 h 25 min
